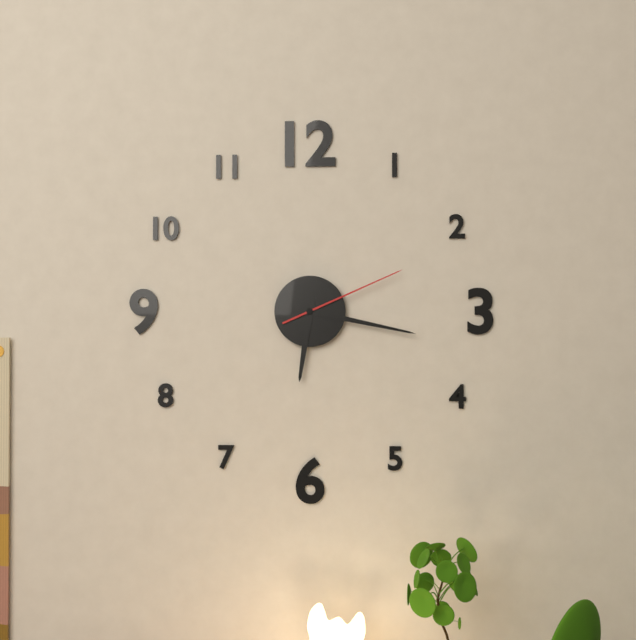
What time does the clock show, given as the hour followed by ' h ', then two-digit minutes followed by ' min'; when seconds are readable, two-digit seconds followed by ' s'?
6 h 17 min 11 s
